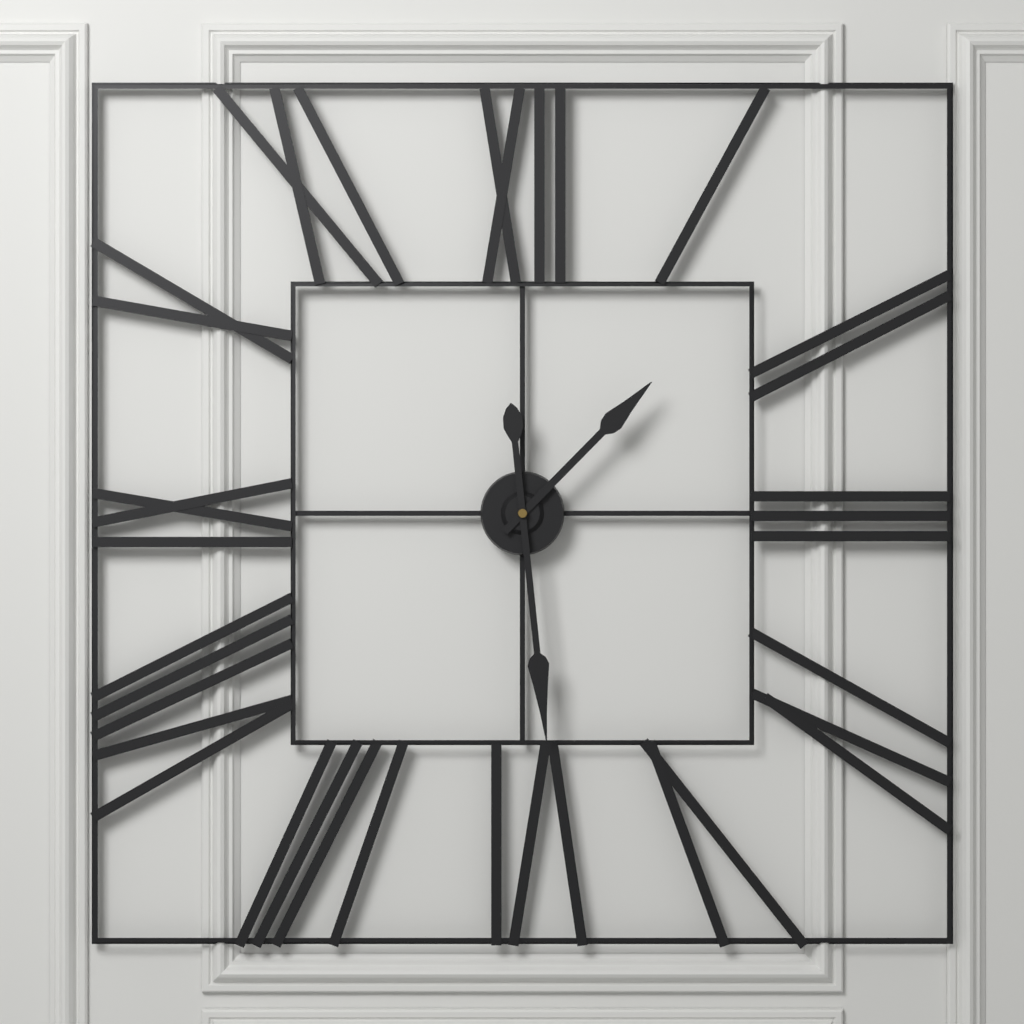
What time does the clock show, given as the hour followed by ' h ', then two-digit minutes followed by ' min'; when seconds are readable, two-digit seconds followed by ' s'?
1 h 29 min
